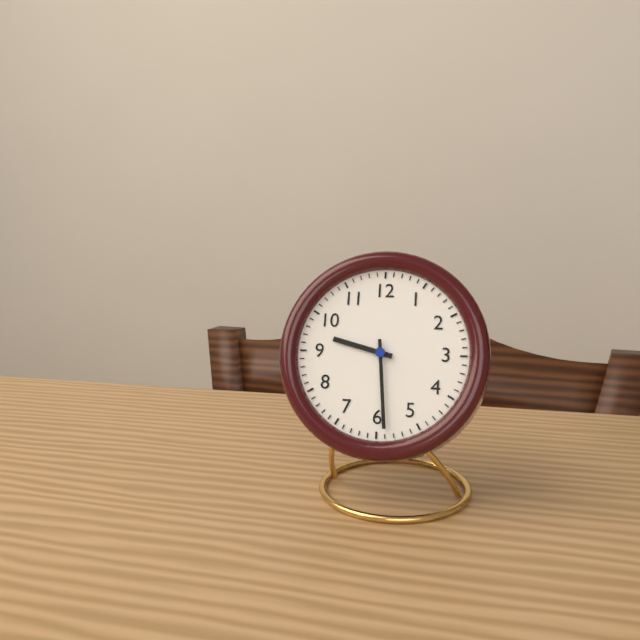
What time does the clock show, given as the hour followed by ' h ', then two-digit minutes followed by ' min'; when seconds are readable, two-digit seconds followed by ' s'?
9 h 29 min
